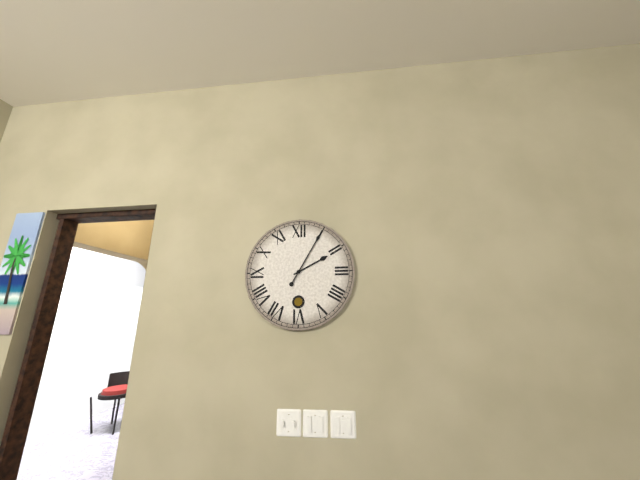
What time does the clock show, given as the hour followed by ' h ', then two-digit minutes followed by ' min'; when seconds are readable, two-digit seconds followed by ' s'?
2 h 05 min
